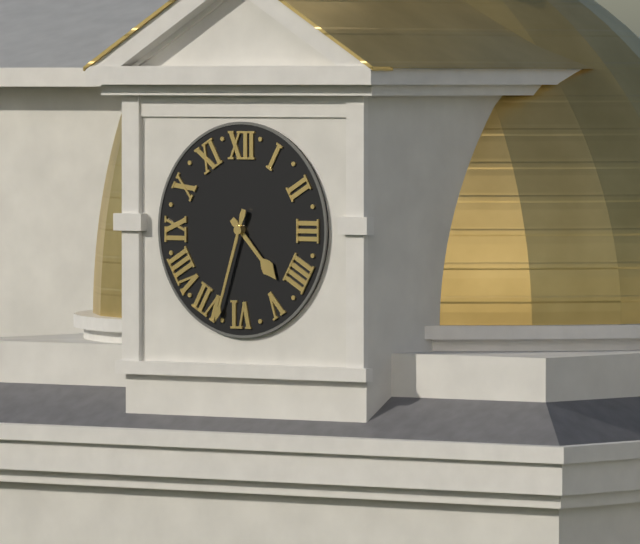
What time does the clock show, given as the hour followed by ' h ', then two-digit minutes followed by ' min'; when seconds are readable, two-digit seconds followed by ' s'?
4 h 33 min
